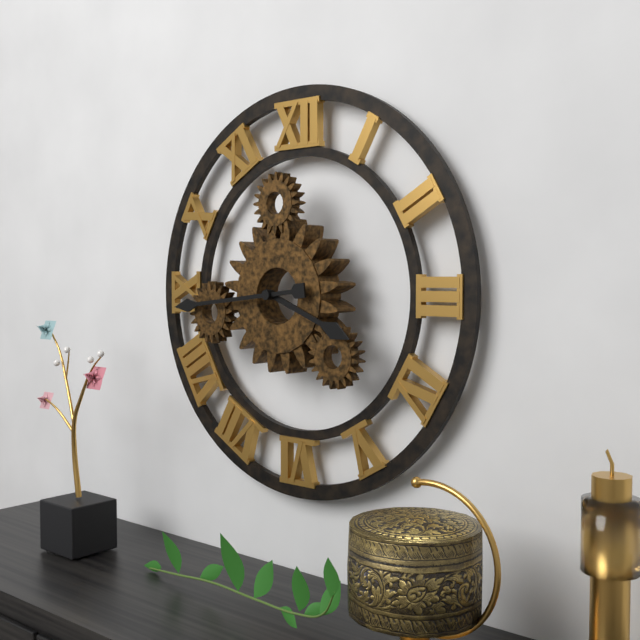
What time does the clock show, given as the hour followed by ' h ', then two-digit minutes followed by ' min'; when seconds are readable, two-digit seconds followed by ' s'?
3 h 44 min
